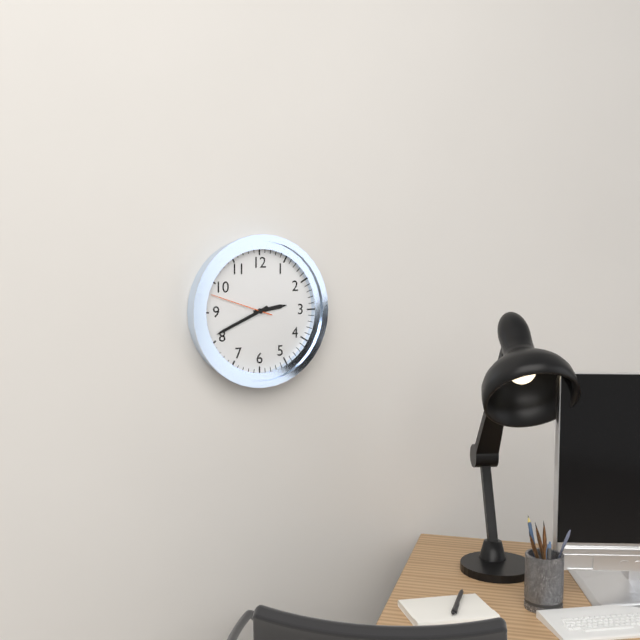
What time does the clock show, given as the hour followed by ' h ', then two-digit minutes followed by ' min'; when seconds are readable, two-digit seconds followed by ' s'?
2 h 41 min 48 s
